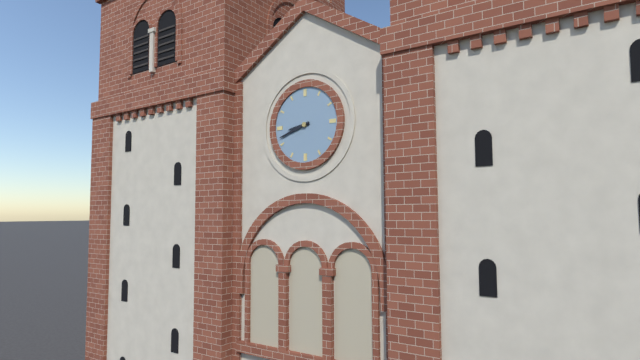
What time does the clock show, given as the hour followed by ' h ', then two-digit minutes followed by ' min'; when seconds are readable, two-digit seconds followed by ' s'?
8 h 42 min
